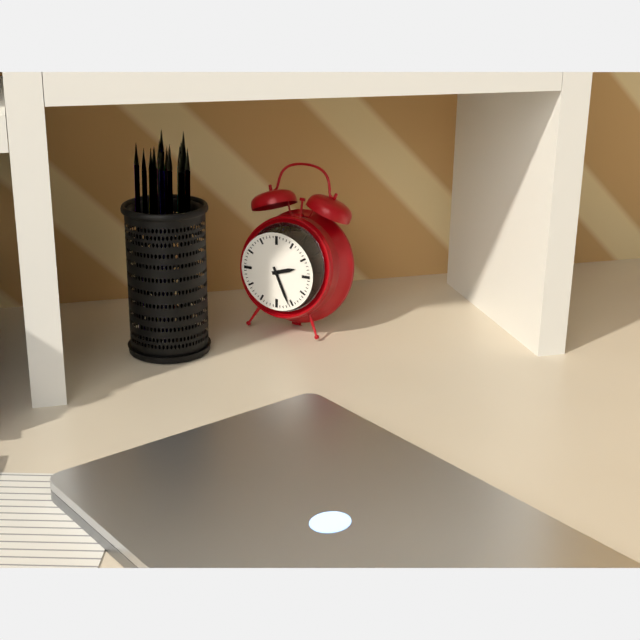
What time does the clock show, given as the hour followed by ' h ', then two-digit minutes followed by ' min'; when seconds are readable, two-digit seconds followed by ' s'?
2 h 26 min
